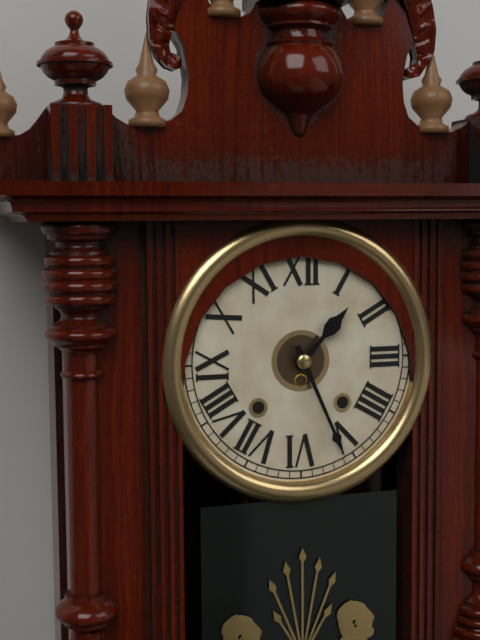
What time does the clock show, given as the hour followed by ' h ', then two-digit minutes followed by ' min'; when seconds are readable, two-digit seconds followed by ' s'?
1 h 26 min
